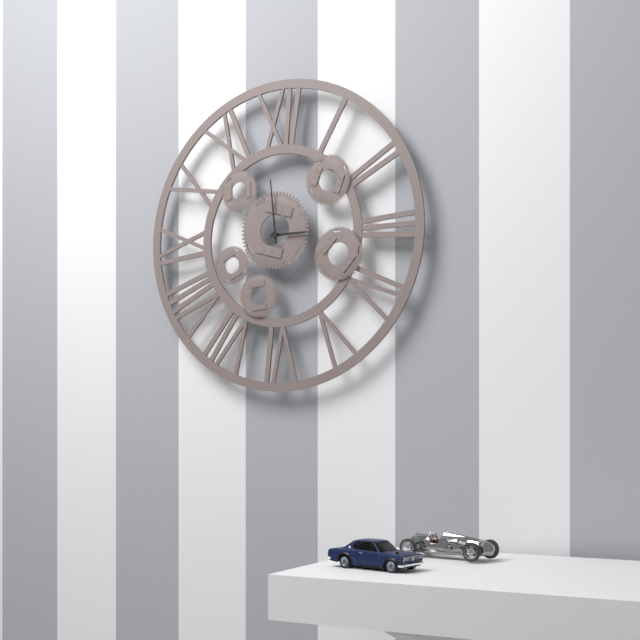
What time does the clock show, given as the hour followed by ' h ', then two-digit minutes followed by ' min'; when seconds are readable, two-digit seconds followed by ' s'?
2 h 59 min
